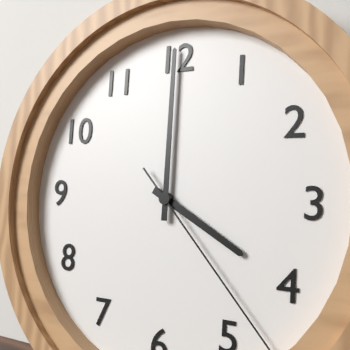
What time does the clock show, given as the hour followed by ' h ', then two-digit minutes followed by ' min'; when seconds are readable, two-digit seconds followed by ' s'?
4 h 00 min
